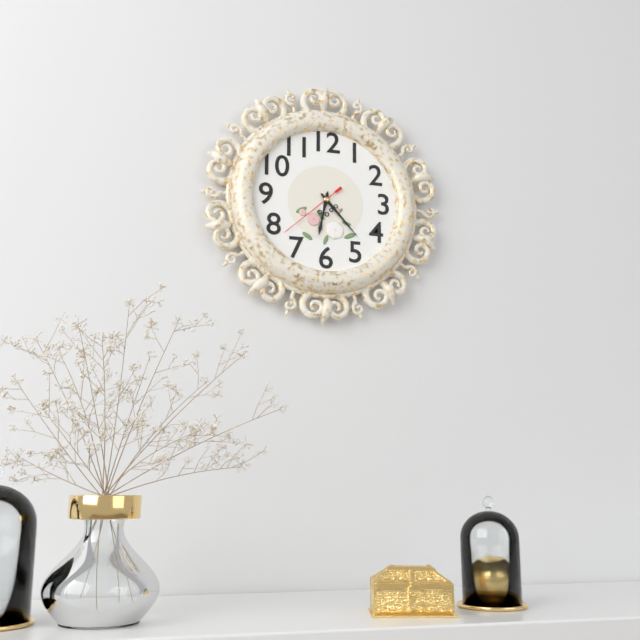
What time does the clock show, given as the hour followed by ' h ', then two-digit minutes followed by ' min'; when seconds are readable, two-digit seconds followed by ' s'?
6 h 23 min 38 s
